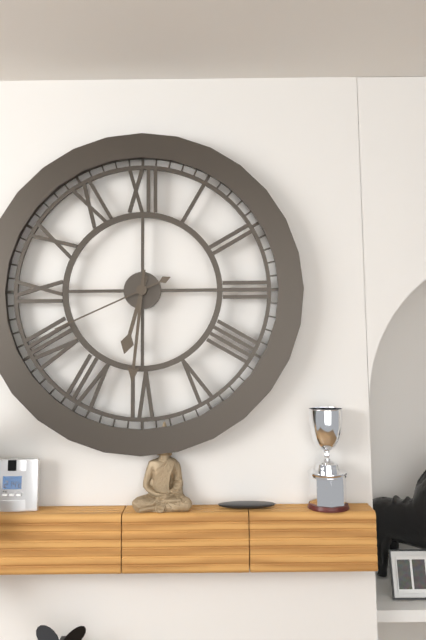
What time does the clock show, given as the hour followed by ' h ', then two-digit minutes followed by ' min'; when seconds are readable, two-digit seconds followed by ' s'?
6 h 31 min 41 s
